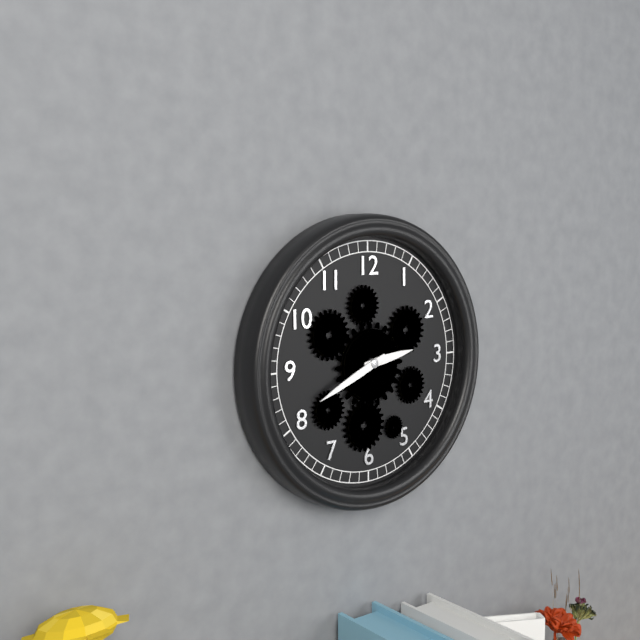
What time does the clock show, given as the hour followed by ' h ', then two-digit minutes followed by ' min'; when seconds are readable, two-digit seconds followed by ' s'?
2 h 41 min
